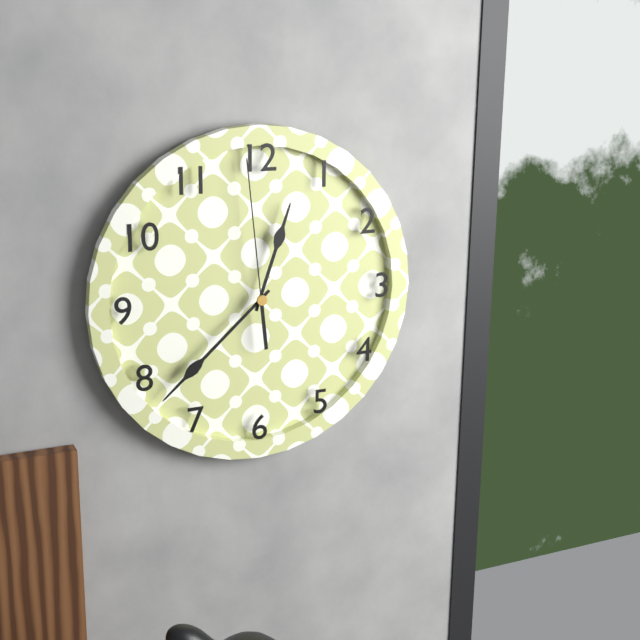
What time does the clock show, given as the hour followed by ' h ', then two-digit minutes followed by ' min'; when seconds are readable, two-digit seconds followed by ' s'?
12 h 38 min 59 s
